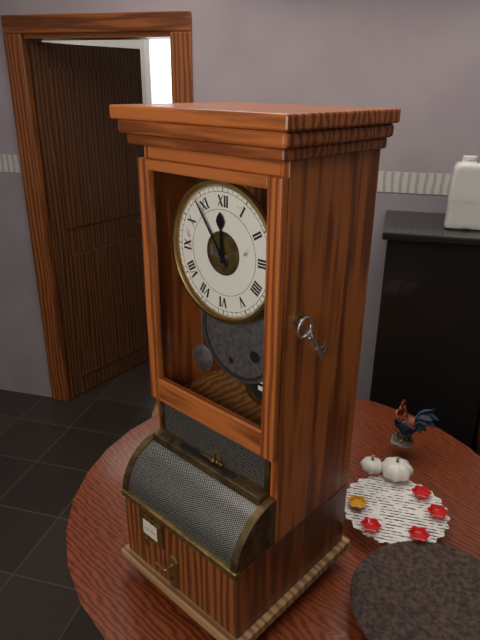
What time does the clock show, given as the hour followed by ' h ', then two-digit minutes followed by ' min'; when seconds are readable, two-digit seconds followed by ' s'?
11 h 54 min
